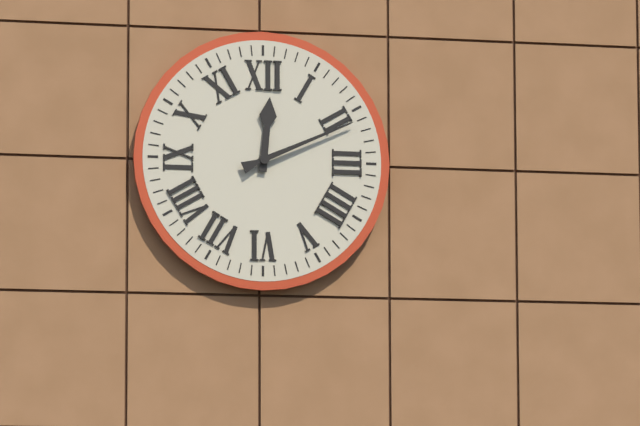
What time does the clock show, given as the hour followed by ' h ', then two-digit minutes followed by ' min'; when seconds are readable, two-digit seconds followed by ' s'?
12 h 11 min
